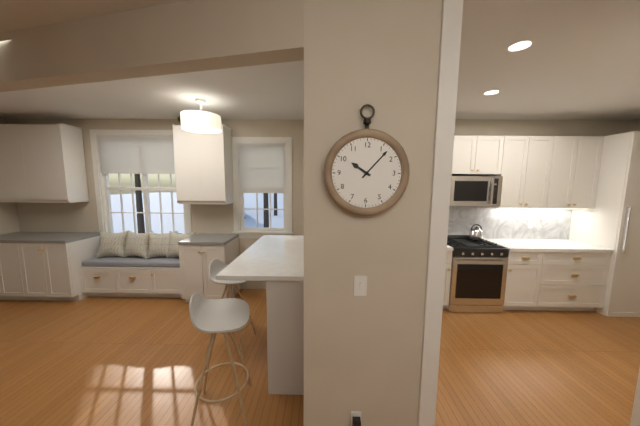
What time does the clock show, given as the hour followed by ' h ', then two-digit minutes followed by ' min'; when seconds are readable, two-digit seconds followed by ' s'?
10 h 07 min
